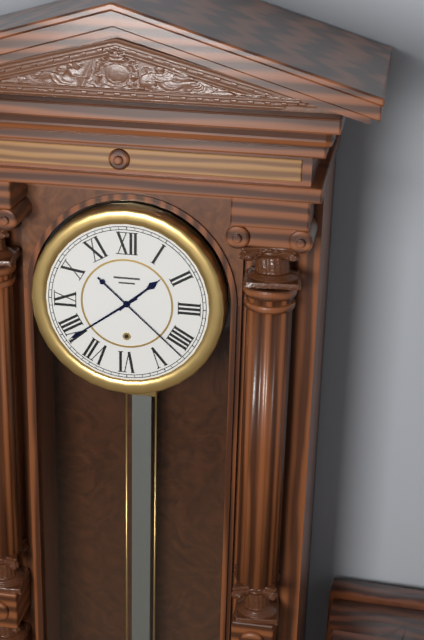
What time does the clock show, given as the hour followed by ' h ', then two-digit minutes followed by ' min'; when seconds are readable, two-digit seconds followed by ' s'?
1 h 39 min 22 s
